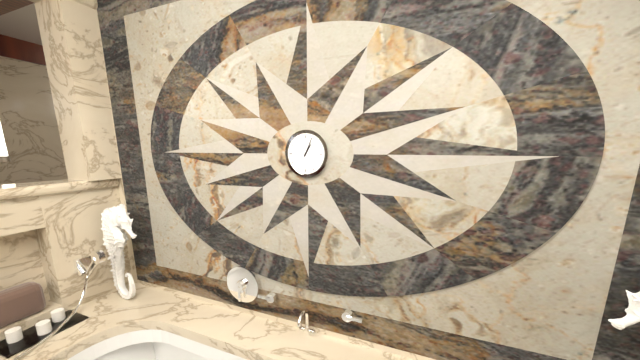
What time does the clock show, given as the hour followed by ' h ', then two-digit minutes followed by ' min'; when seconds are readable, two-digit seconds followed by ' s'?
1 h 04 min
